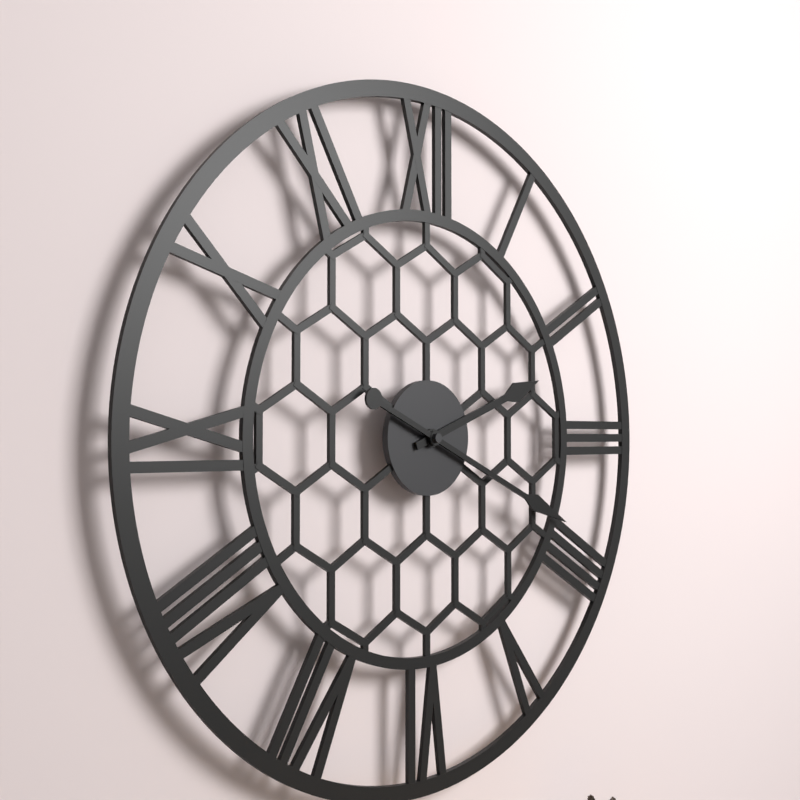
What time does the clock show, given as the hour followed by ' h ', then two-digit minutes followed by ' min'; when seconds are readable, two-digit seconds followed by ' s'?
2 h 19 min
